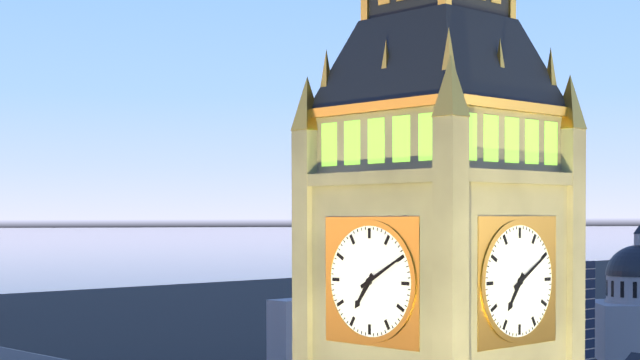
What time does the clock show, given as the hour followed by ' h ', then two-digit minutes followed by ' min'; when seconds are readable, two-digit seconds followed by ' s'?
7 h 10 min
